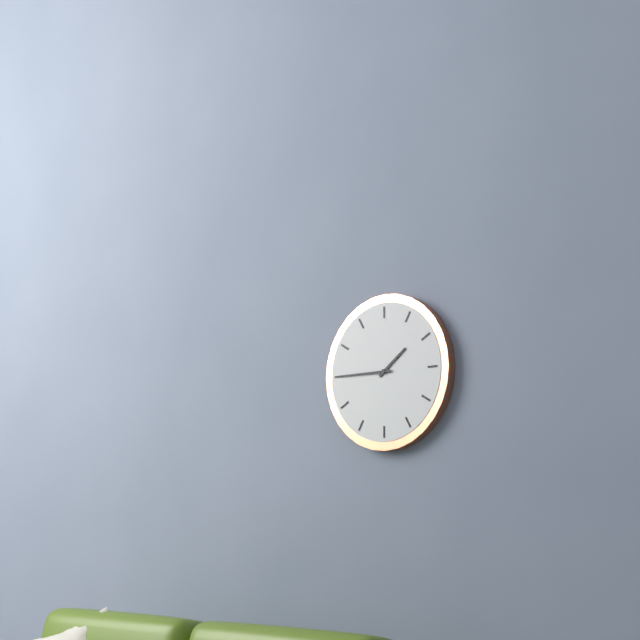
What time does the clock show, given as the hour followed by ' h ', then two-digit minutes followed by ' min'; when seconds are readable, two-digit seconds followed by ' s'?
1 h 45 min
